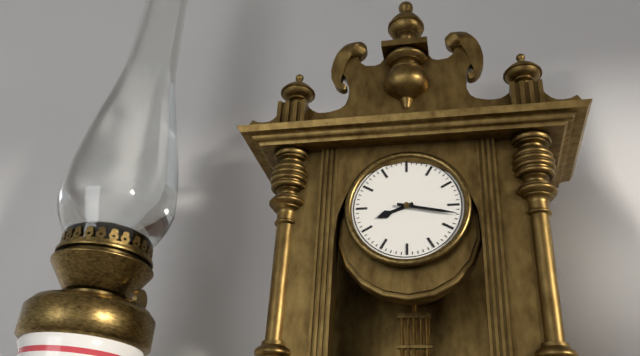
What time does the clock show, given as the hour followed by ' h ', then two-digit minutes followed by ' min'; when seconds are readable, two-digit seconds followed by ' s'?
8 h 17 min
